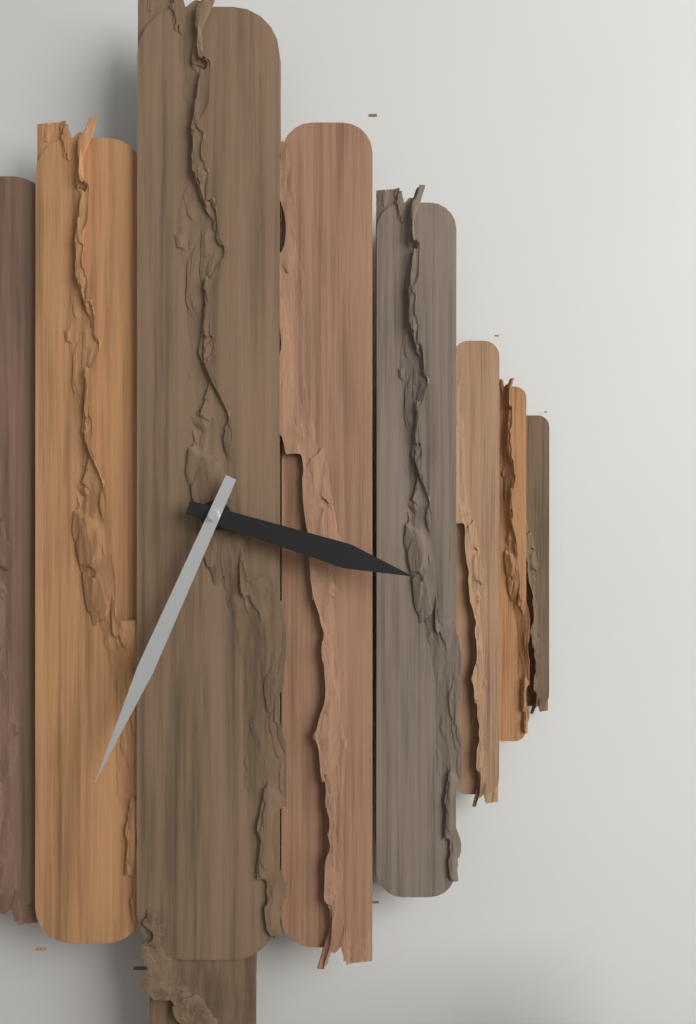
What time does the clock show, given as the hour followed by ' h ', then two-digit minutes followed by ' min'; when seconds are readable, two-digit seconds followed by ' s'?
3 h 34 min
